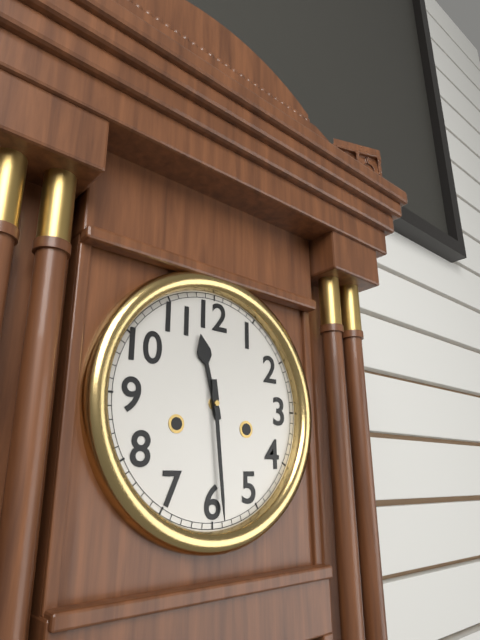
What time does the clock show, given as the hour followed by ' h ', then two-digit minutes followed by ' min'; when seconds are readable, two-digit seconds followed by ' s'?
11 h 29 min
